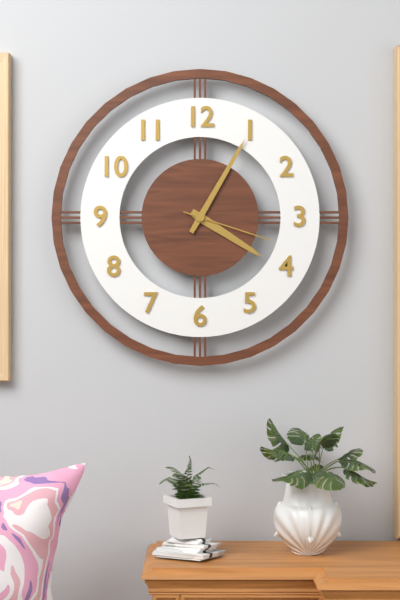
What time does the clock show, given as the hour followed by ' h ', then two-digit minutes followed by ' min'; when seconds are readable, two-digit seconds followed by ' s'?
4 h 05 min 18 s
